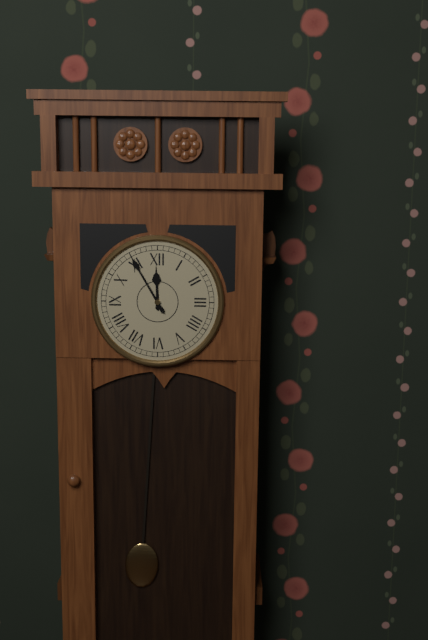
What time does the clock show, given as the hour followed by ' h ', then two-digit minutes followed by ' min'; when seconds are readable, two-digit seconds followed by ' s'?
11 h 55 min
